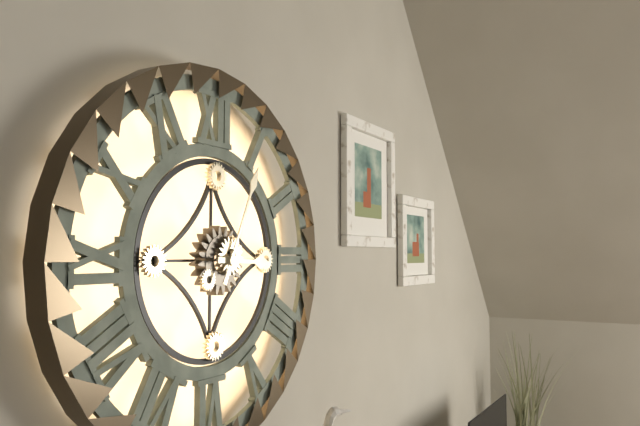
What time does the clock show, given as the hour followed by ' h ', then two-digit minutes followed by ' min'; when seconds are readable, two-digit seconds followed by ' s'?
3 h 04 min
